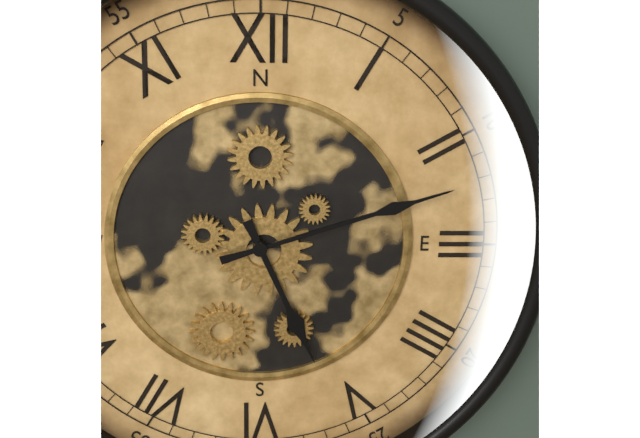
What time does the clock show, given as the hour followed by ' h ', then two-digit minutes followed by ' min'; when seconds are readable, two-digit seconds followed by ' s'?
5 h 12 min
